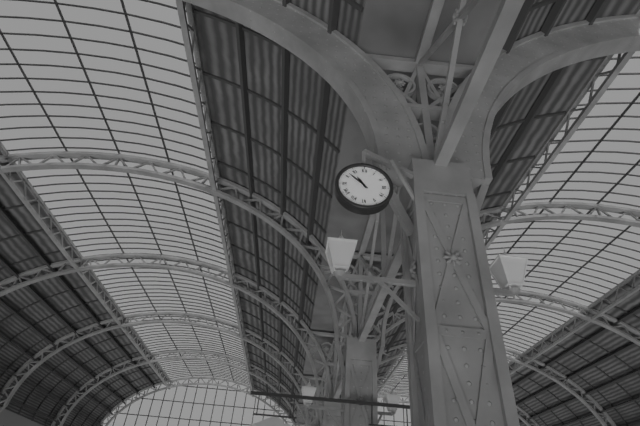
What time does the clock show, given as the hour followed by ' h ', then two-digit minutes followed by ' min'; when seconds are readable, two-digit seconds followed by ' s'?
10 h 52 min
